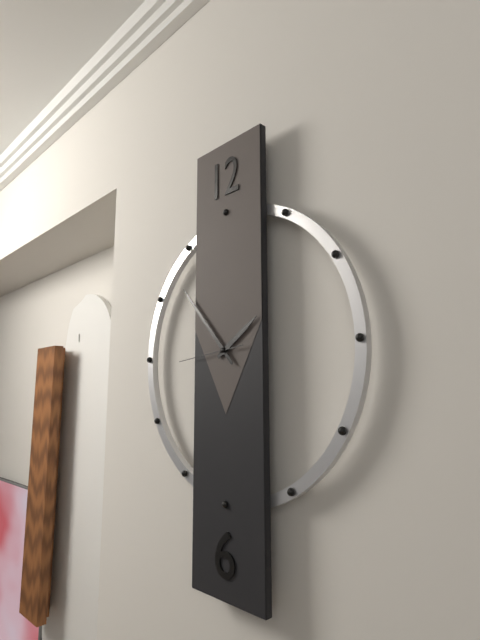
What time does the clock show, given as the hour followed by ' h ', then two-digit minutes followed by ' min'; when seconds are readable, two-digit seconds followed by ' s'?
1 h 53 min 44 s
